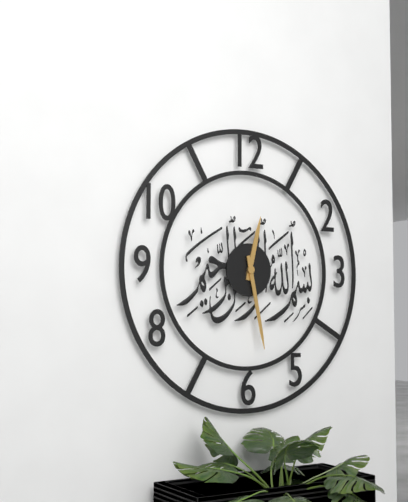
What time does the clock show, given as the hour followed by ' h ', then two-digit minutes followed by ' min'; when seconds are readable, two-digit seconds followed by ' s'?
12 h 28 min
